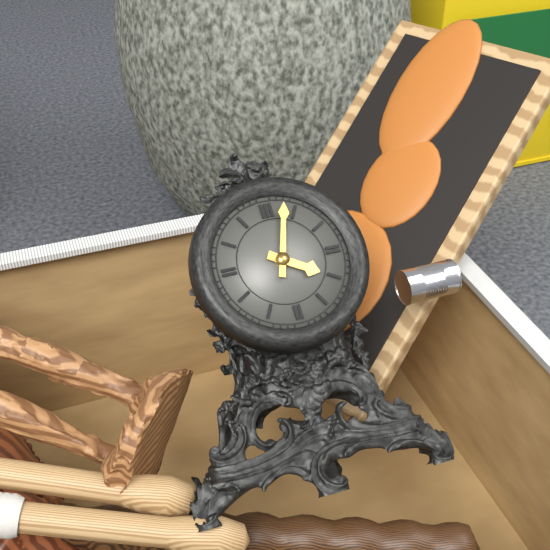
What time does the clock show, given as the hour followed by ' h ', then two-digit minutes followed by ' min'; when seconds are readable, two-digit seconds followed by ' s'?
4 h 03 min
